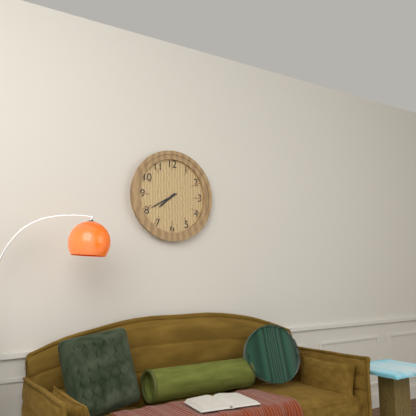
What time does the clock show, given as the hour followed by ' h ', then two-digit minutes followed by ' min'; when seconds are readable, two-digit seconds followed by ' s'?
7 h 40 min
